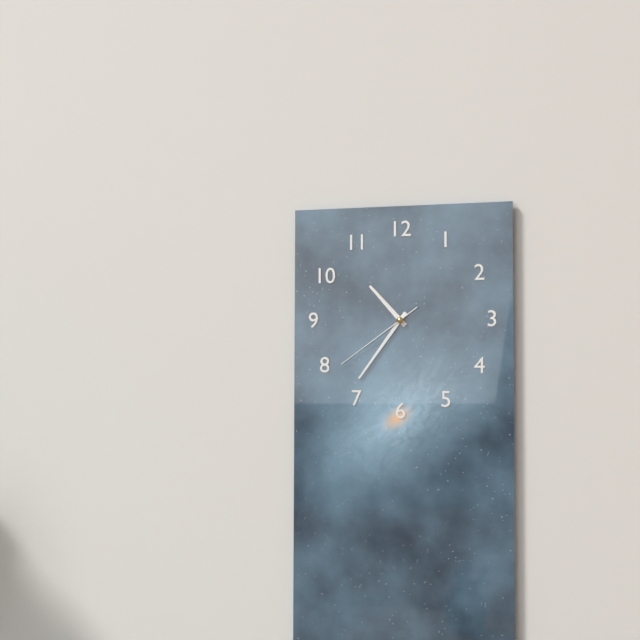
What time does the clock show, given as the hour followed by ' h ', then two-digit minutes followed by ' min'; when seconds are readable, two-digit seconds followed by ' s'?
10 h 36 min 39 s
